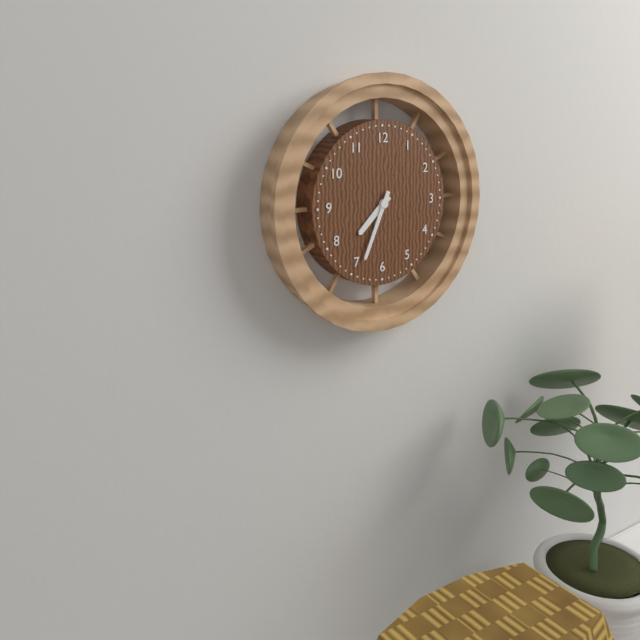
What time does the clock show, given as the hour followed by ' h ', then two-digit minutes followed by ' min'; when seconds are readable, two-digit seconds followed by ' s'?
7 h 34 min
